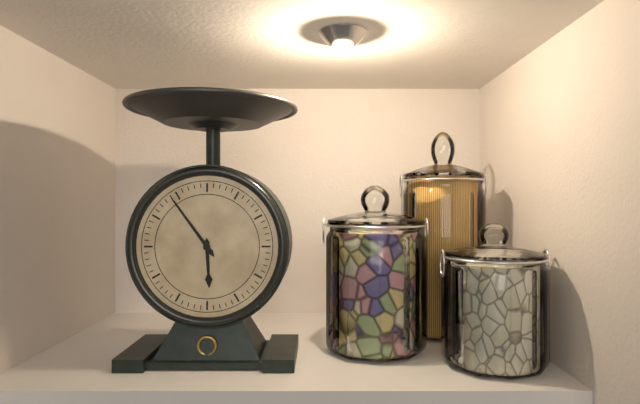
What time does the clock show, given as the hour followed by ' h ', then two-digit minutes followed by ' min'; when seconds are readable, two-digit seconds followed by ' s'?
5 h 54 min
